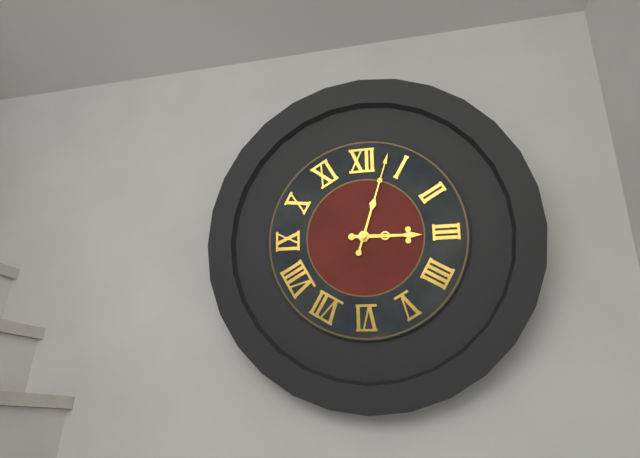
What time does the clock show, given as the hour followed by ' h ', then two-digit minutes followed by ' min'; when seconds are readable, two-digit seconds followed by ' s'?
3 h 03 min
